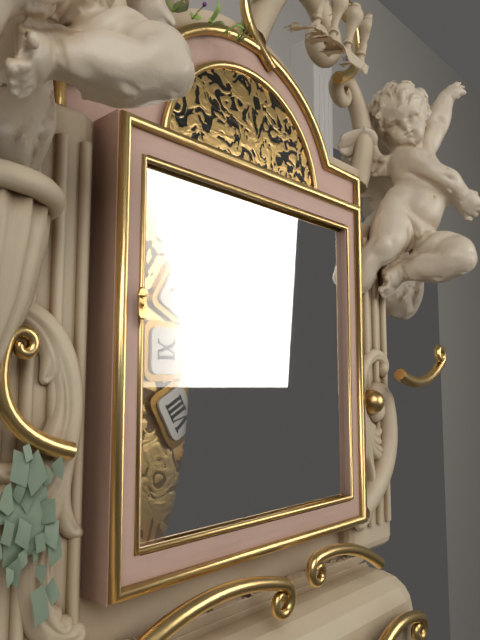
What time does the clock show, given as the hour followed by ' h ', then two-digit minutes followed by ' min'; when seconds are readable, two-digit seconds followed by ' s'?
12 h 23 min
